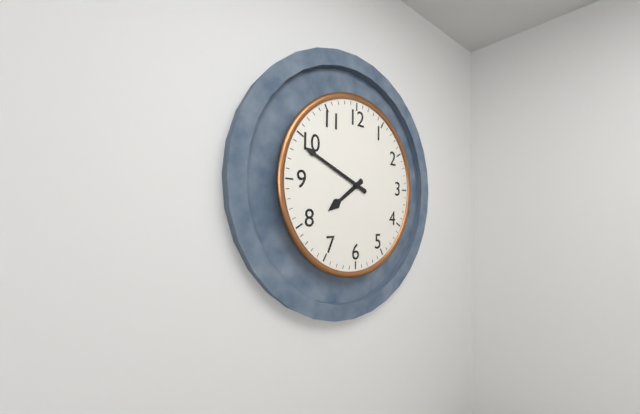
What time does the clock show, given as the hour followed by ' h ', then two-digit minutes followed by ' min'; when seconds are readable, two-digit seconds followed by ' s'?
7 h 49 min
